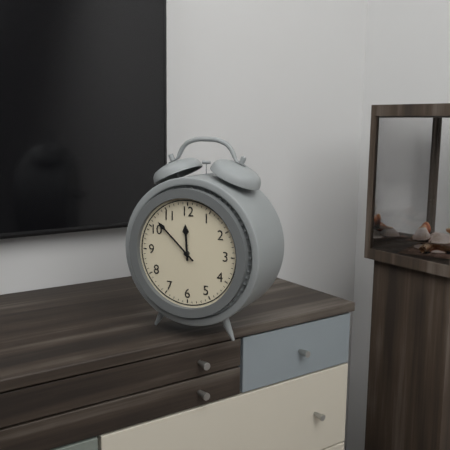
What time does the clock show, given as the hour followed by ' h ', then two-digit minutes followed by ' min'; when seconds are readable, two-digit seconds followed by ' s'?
11 h 52 min
